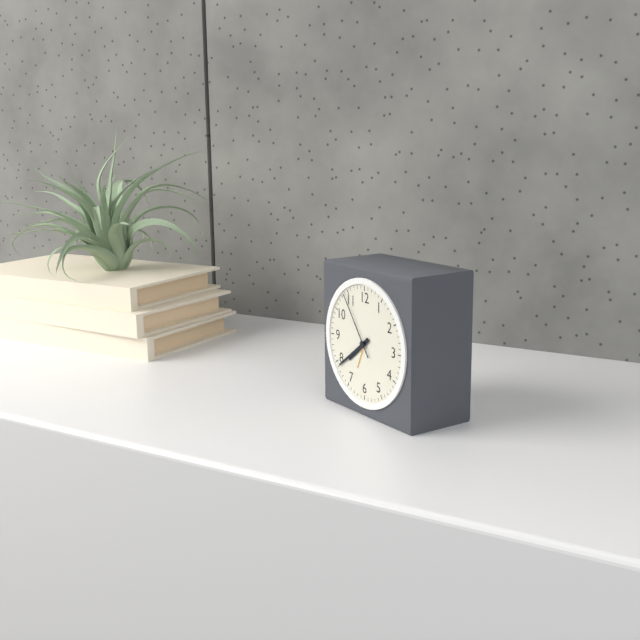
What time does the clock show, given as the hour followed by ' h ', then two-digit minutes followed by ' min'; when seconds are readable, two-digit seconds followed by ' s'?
7 h 39 min 54 s
